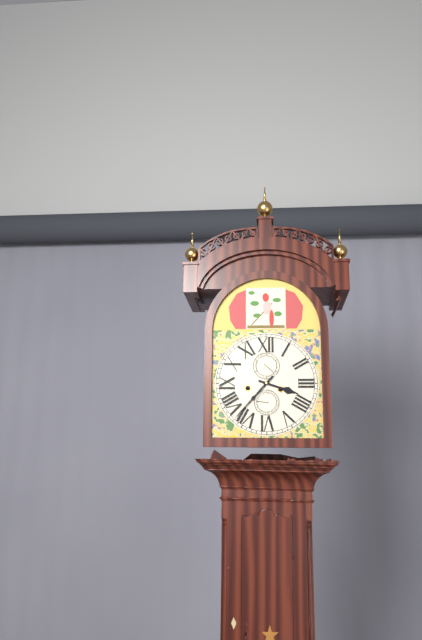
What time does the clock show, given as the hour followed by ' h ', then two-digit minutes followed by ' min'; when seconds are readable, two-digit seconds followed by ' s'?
3 h 37 min
